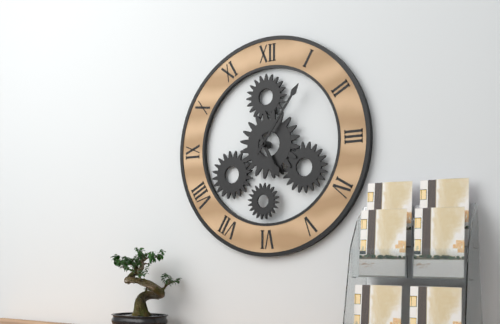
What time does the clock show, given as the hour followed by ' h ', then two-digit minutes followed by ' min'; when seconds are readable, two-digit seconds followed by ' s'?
5 h 06 min
